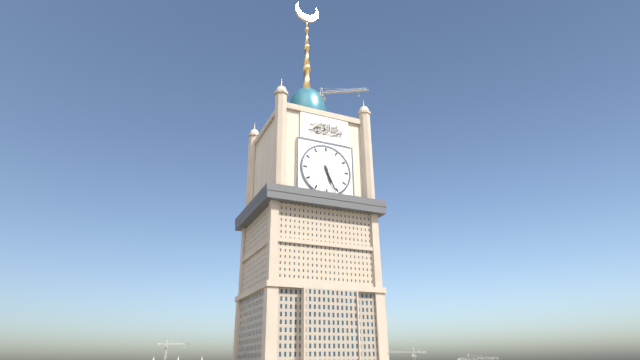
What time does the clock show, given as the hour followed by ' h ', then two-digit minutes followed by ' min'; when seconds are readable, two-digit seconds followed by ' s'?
5 h 26 min
